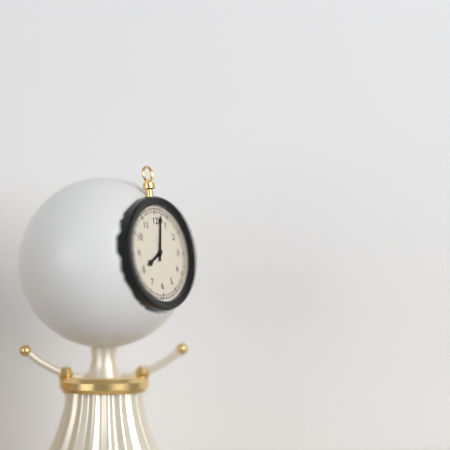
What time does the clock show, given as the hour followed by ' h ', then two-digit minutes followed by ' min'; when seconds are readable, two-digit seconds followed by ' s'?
8 h 02 min
